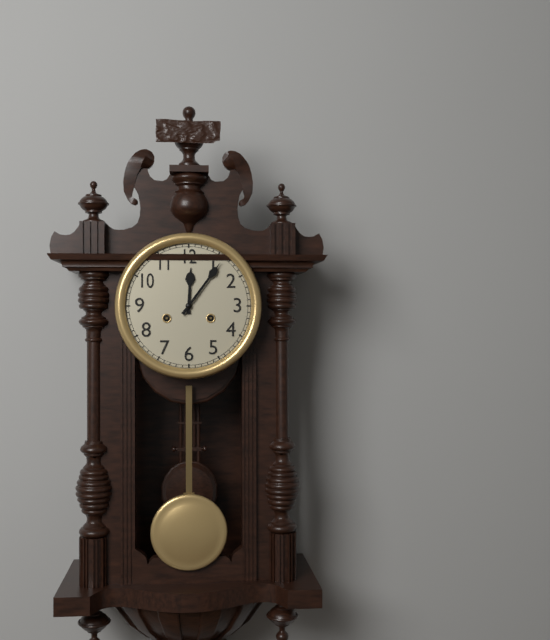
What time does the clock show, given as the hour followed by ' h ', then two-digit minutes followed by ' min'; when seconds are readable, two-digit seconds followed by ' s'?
12 h 06 min
